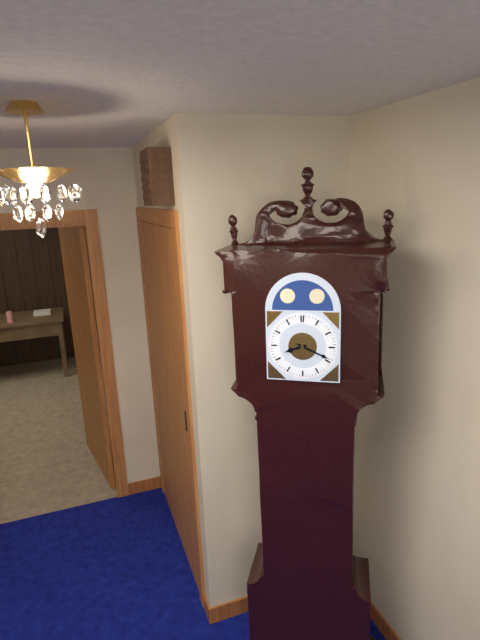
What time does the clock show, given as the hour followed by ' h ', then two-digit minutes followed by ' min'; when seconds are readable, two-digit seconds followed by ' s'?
8 h 19 min
